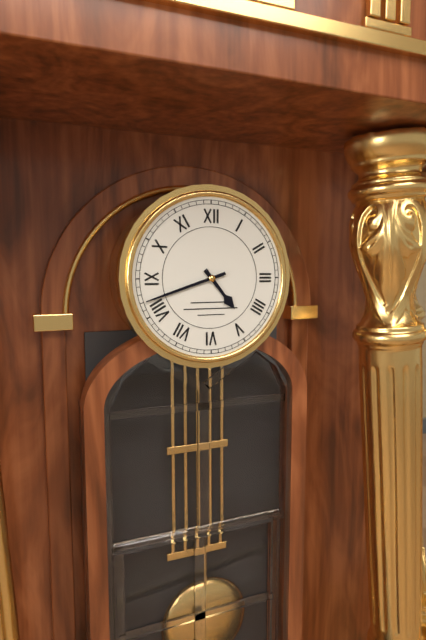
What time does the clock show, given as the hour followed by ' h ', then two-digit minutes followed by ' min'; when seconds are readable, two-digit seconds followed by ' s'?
4 h 42 min
